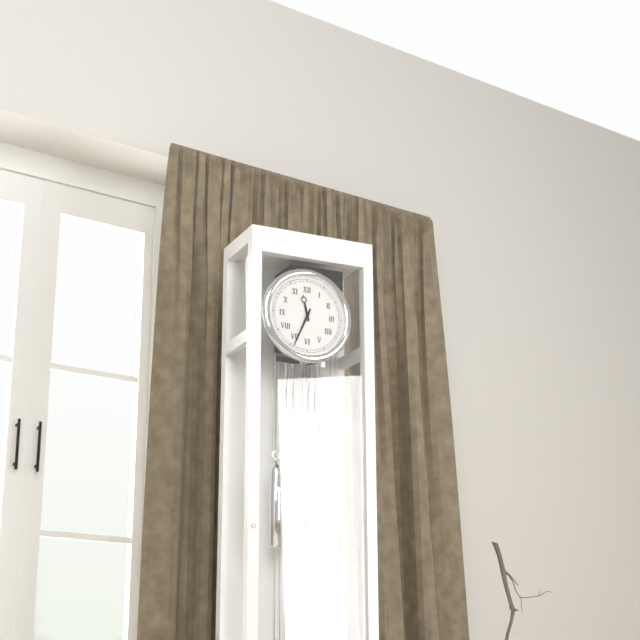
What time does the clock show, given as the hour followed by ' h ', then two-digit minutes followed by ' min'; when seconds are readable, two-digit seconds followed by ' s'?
11 h 34 min
